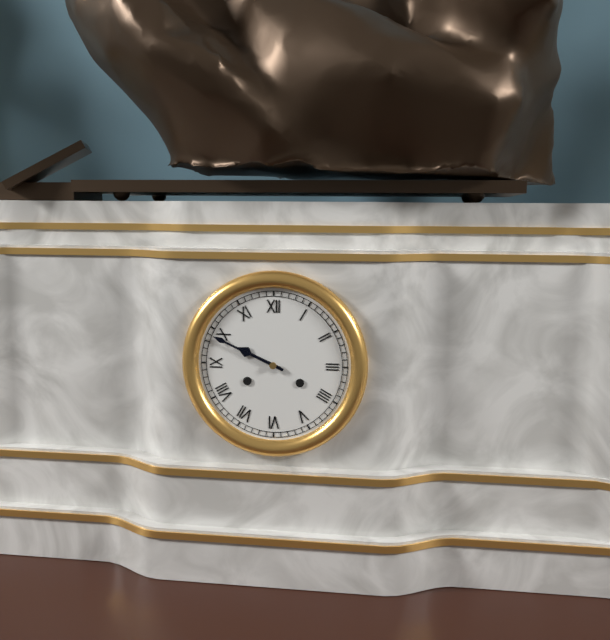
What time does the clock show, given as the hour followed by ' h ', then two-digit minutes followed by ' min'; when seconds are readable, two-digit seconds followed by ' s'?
9 h 49 min
